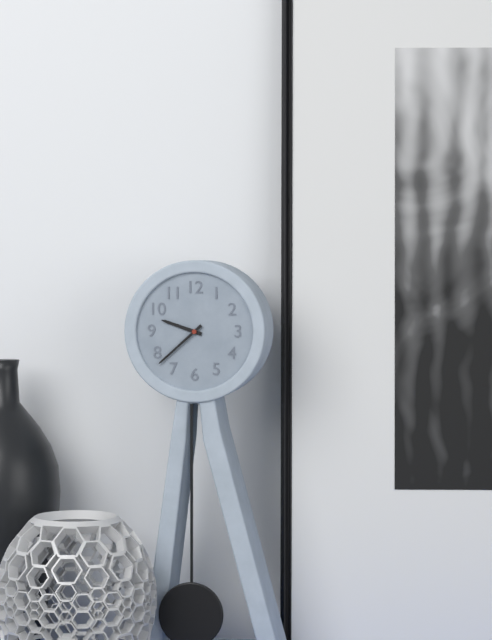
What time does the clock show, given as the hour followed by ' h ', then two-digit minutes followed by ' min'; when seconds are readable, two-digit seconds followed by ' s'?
9 h 38 min
